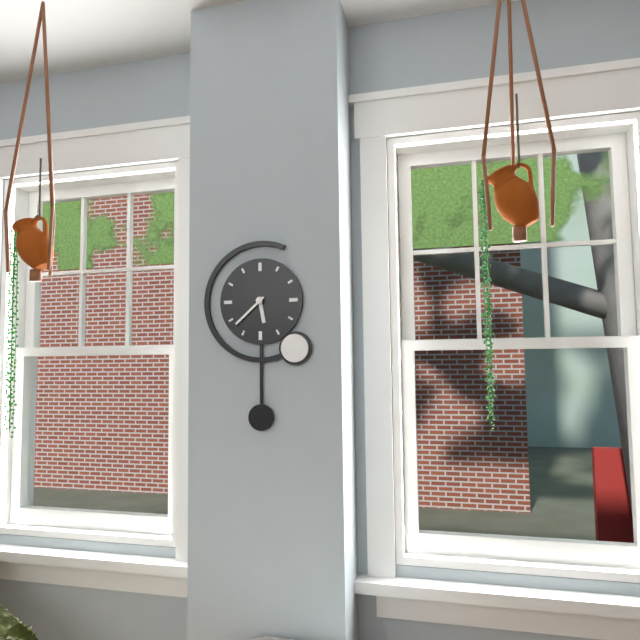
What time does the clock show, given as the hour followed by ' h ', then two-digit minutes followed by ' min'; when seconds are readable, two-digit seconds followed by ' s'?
5 h 38 min
